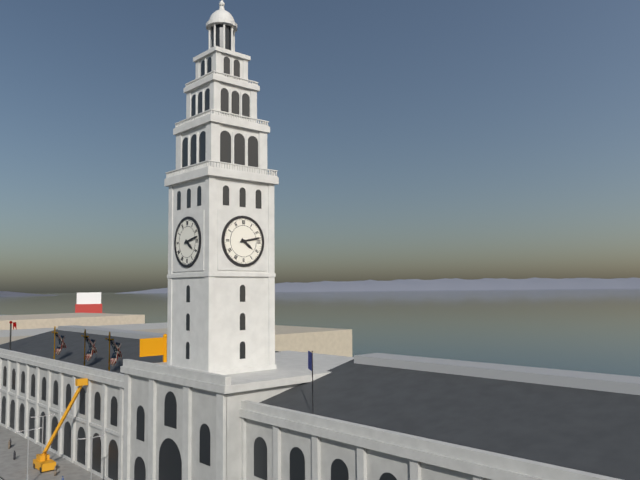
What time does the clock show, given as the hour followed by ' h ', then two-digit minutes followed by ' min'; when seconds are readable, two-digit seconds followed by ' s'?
4 h 13 min
